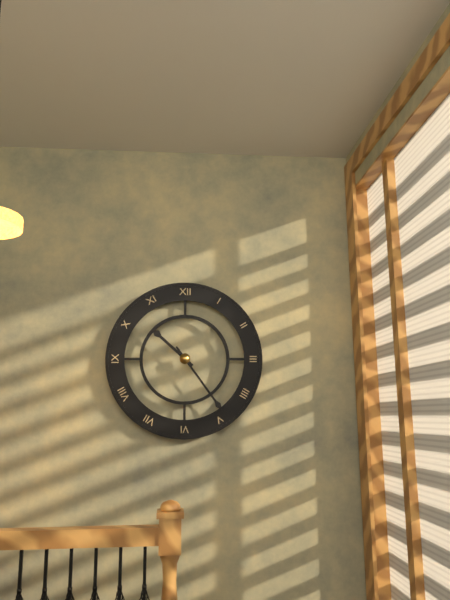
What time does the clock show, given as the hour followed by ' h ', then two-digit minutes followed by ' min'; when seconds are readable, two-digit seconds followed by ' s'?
10 h 24 min
